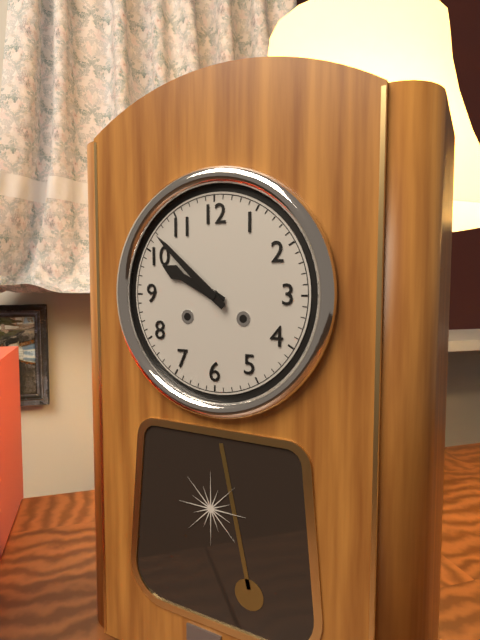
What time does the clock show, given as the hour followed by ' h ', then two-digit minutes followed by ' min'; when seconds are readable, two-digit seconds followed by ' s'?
9 h 52 min
